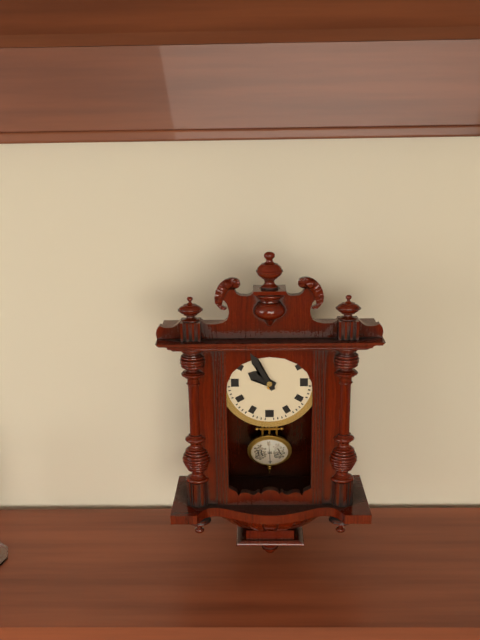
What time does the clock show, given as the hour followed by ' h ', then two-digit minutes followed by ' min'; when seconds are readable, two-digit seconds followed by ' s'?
9 h 55 min
